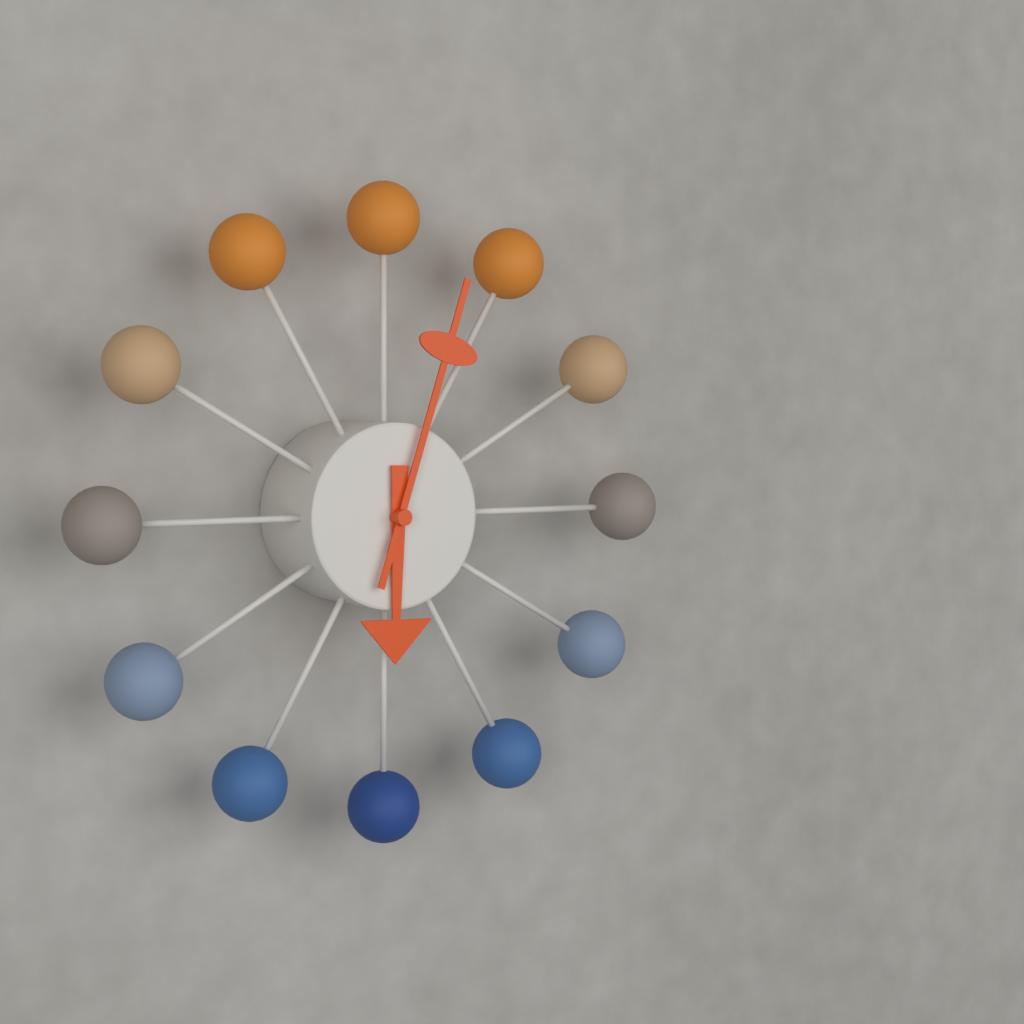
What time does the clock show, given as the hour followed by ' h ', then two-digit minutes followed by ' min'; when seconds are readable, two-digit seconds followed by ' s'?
6 h 03 min
